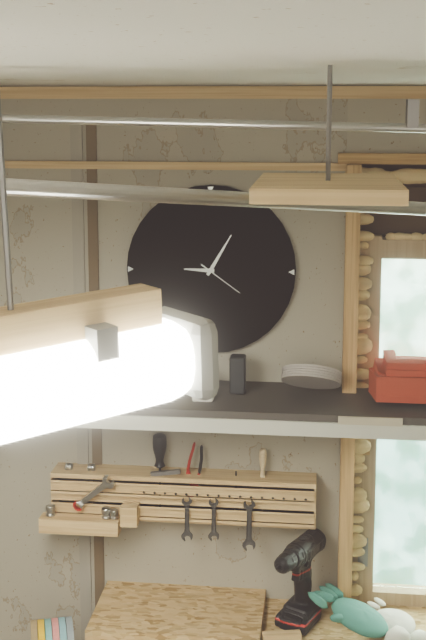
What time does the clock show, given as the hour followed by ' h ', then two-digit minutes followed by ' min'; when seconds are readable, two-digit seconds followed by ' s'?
9 h 05 min
